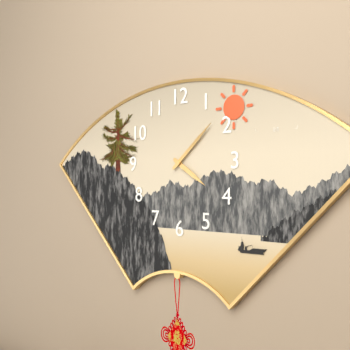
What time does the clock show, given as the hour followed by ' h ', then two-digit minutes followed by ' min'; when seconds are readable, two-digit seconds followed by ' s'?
4 h 08 min
